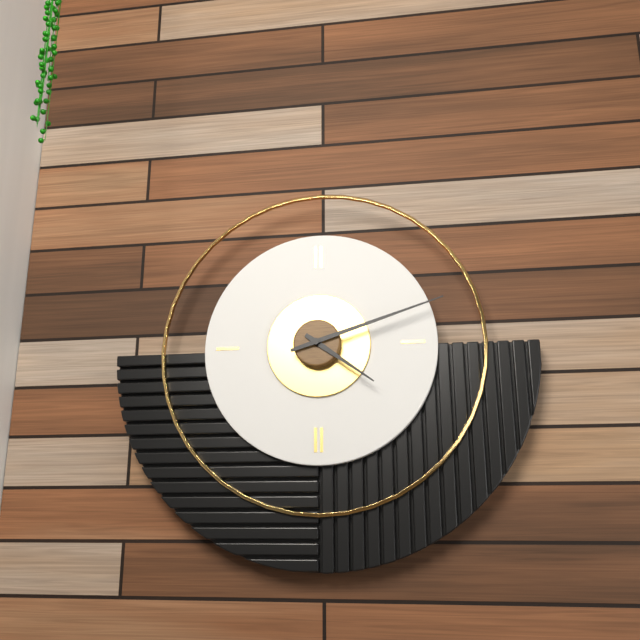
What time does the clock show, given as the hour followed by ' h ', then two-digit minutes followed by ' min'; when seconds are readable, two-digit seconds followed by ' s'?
4 h 12 min
